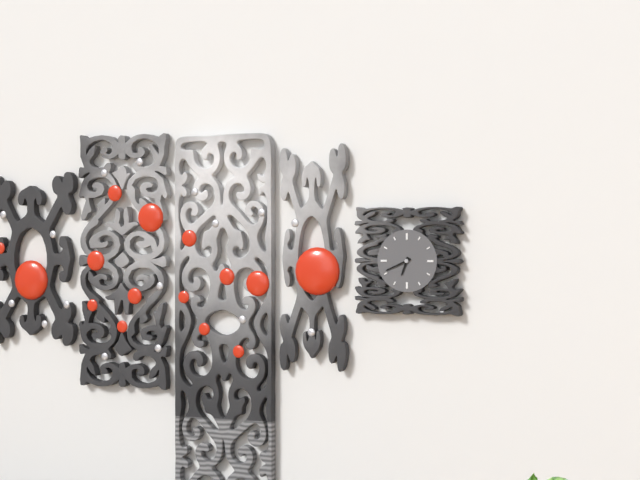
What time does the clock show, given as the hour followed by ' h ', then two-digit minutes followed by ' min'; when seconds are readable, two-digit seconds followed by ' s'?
6 h 41 min
